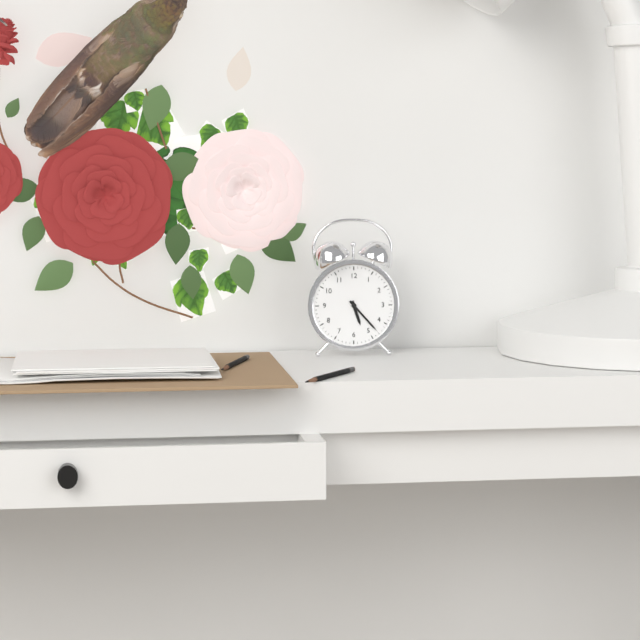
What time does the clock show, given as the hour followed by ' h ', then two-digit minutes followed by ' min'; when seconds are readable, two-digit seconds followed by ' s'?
5 h 23 min
